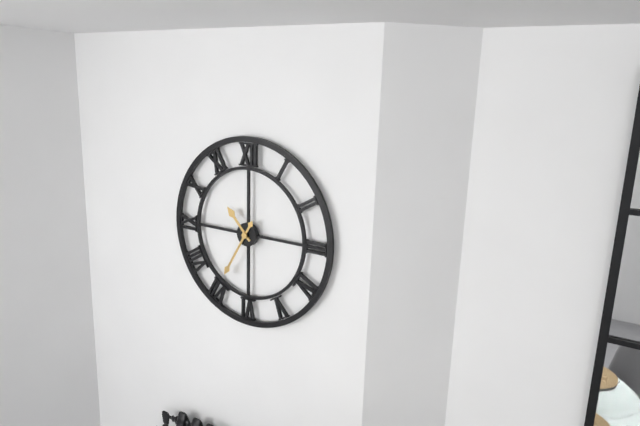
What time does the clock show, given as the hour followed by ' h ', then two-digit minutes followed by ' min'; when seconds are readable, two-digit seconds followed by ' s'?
10 h 35 min
